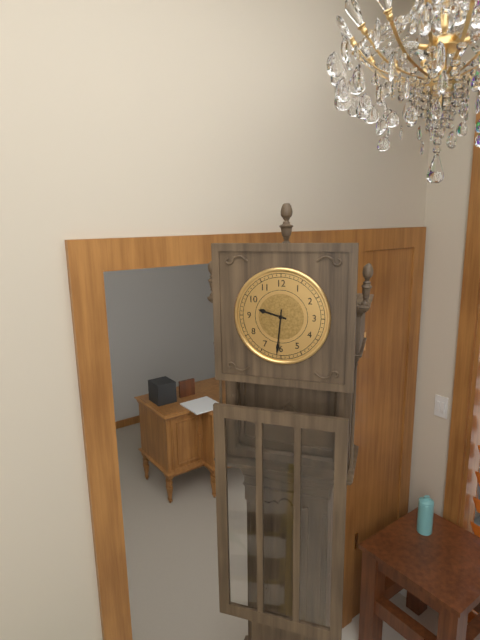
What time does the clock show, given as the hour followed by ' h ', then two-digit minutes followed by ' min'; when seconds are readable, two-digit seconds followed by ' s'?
9 h 31 min
